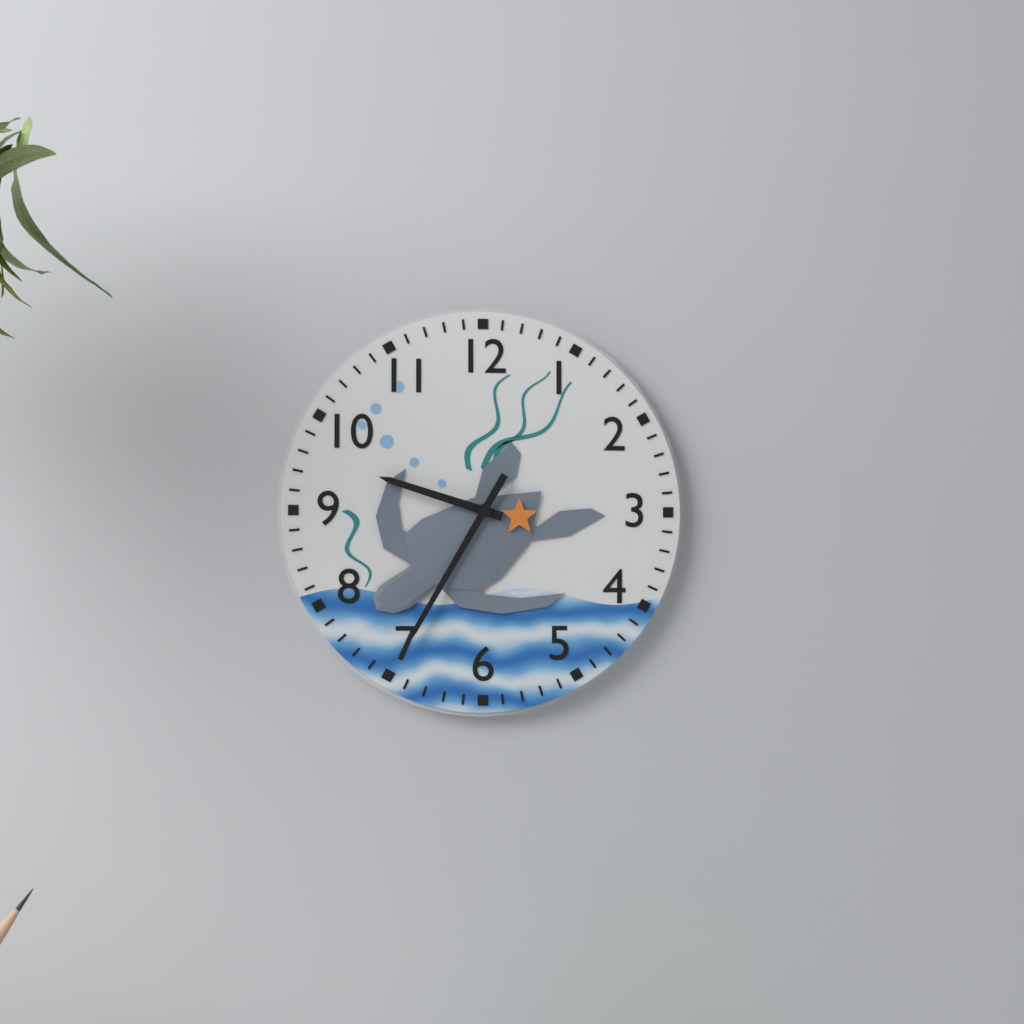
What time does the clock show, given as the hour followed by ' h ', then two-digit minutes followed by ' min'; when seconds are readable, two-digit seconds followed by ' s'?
9 h 35 min
